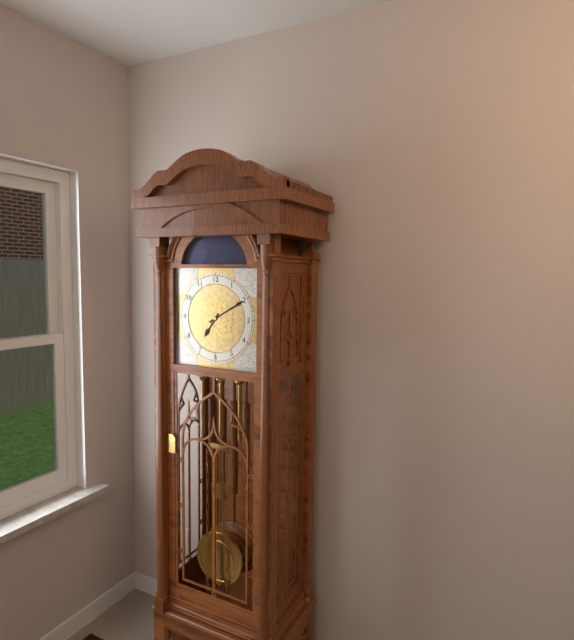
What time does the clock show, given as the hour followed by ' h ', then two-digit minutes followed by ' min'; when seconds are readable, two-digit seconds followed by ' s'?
7 h 10 min
